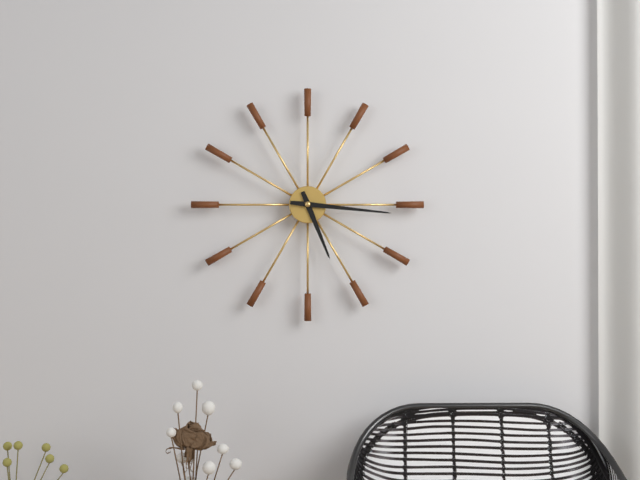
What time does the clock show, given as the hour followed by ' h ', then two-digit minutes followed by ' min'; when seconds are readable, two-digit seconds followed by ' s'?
5 h 16 min
